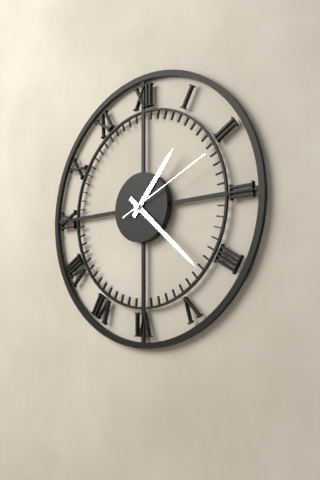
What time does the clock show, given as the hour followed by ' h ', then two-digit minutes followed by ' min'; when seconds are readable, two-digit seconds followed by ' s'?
1 h 22 min 11 s
